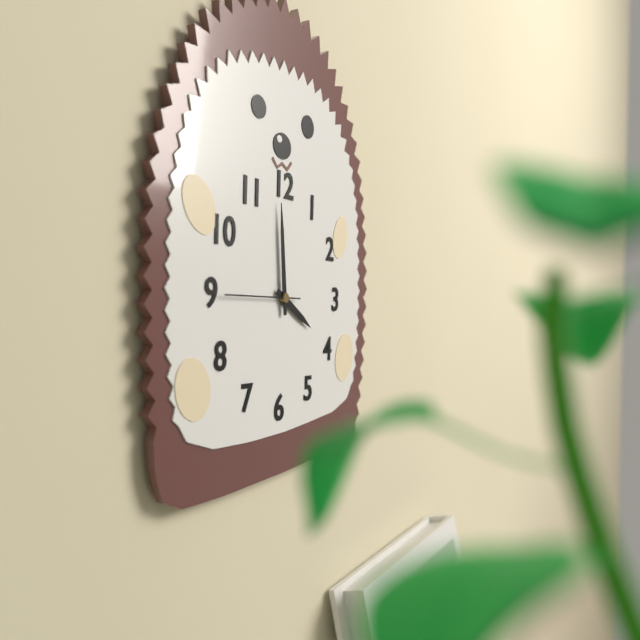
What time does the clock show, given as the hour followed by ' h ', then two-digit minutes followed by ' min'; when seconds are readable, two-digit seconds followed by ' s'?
3 h 59 min 45 s
